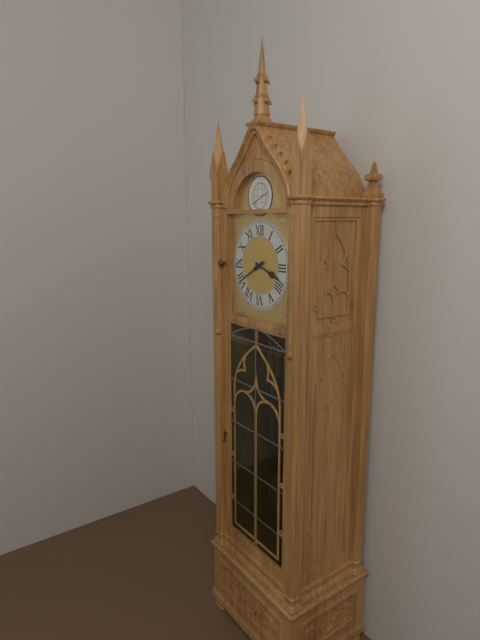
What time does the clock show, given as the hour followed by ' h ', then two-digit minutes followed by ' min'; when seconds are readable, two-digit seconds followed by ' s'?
3 h 40 min
